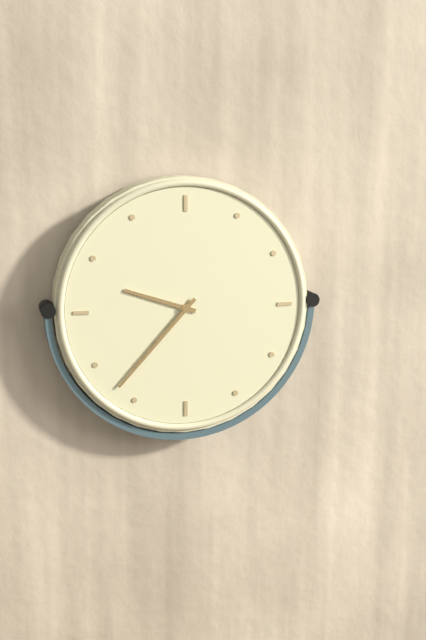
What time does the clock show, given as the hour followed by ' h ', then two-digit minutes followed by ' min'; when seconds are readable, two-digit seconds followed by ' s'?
9 h 37 min
